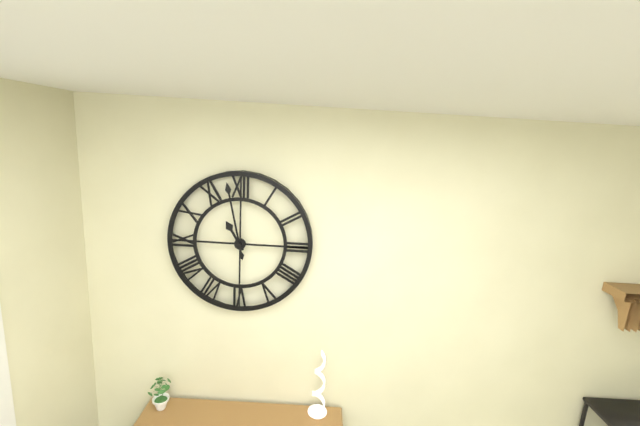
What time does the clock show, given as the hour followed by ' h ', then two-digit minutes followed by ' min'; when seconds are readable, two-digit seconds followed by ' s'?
10 h 58 min
